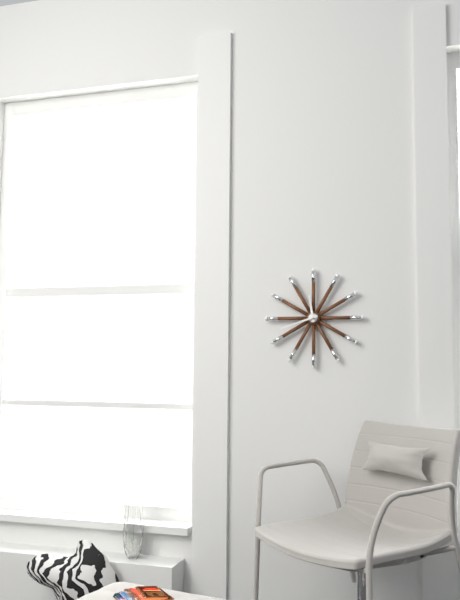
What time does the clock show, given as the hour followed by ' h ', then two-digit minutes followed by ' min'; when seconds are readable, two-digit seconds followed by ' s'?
11 h 42 min
